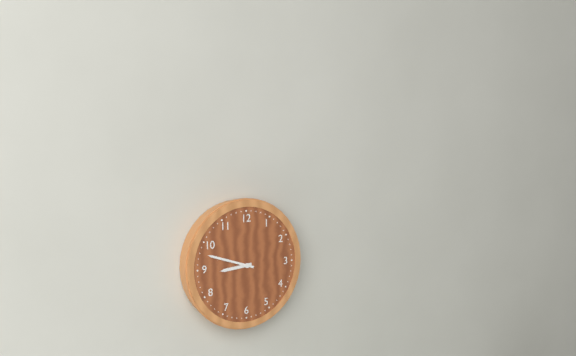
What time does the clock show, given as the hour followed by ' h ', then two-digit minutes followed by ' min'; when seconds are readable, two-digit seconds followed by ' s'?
8 h 48 min
